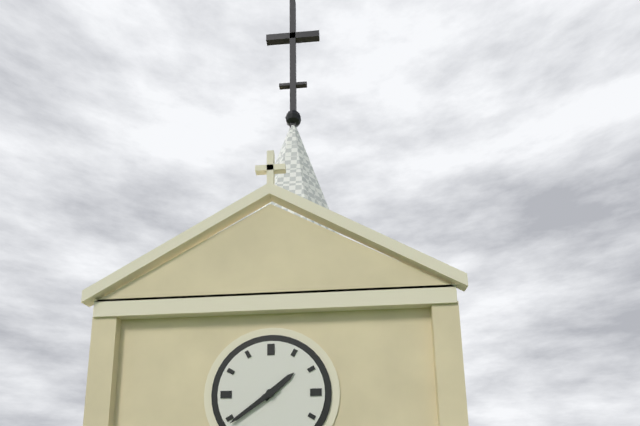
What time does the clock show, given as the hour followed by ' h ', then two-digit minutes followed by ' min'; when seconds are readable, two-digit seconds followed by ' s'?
1 h 39 min
